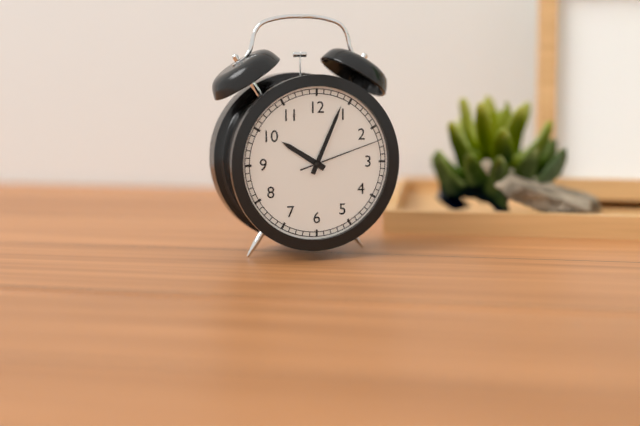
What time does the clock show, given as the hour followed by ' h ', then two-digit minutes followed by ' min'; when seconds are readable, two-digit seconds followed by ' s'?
10 h 04 min 12 s
